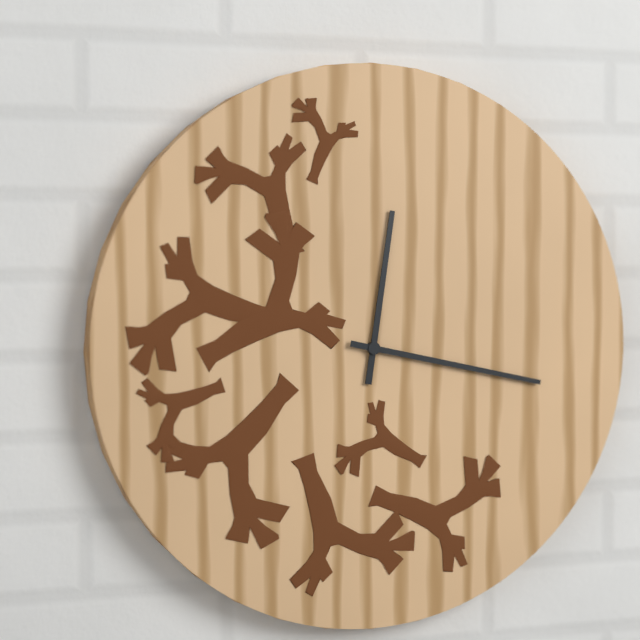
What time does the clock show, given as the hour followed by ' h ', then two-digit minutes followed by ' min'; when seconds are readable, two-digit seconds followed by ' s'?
12 h 17 min
